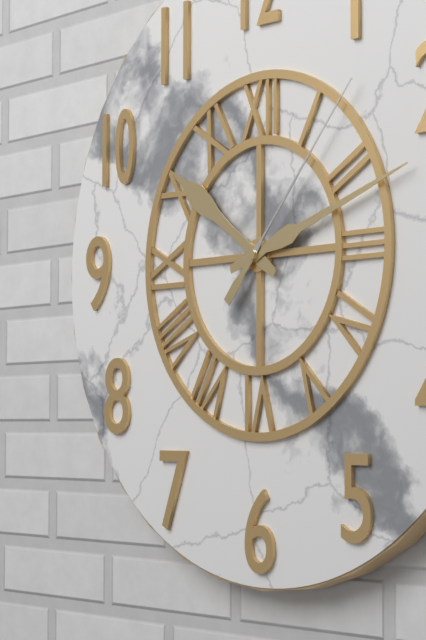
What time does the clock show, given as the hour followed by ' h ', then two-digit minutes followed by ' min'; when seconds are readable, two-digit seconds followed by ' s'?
10 h 12 min 07 s
